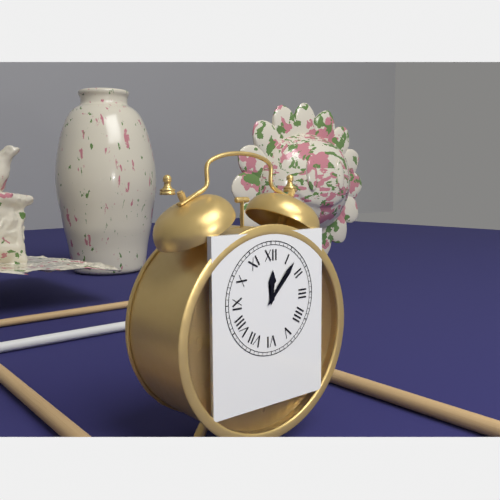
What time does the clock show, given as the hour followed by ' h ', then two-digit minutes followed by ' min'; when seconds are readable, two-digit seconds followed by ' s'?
12 h 07 min
